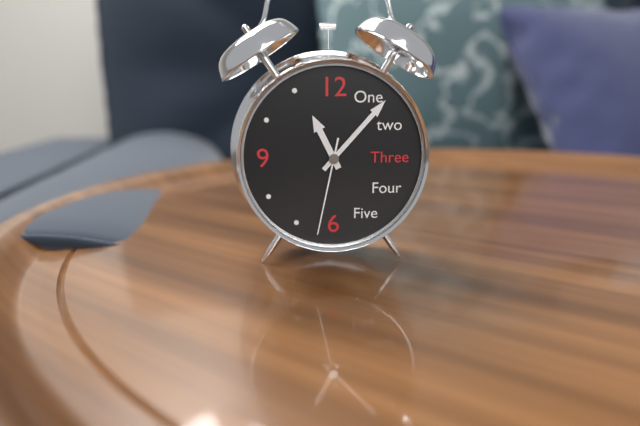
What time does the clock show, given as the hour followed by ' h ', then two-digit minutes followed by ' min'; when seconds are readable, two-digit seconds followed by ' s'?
11 h 07 min 32 s
